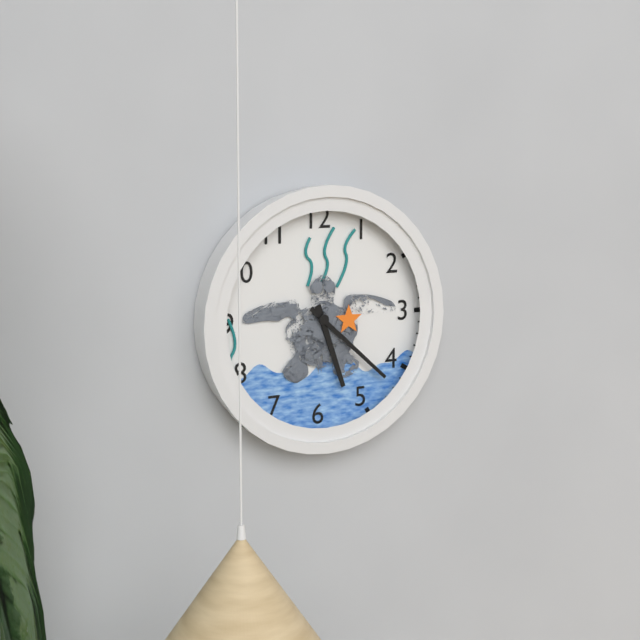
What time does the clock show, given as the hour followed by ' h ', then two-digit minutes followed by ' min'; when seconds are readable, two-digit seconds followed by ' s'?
5 h 22 min
